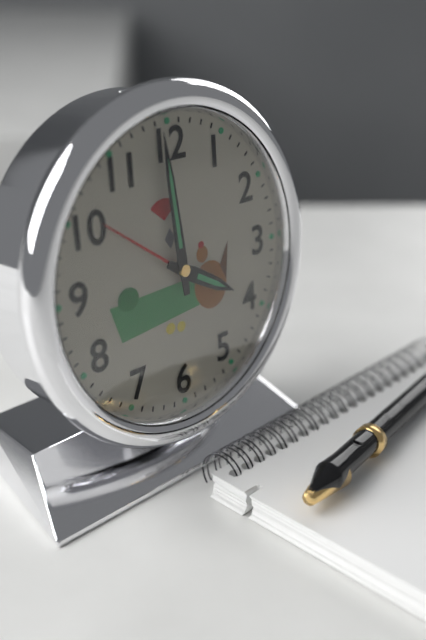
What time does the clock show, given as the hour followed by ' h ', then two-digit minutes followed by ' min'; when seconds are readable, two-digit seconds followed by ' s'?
3 h 59 min
